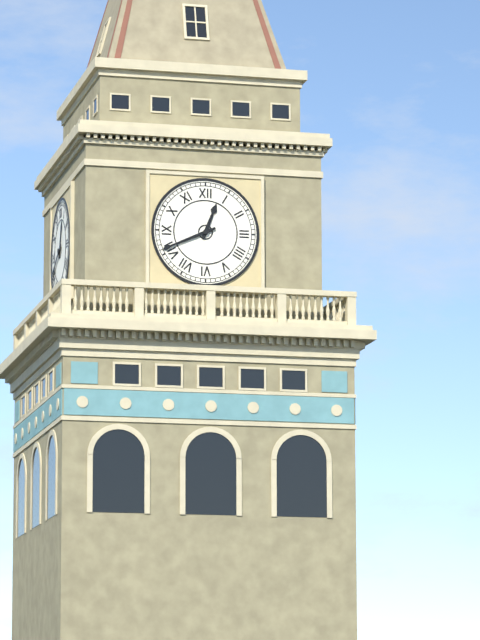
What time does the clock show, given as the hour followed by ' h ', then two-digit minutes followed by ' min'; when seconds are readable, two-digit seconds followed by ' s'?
12 h 41 min
